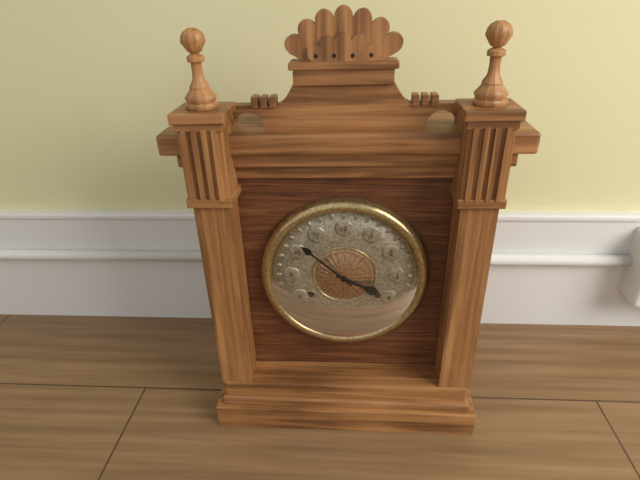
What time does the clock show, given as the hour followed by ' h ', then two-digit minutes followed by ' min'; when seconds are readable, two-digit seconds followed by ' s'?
3 h 52 min
